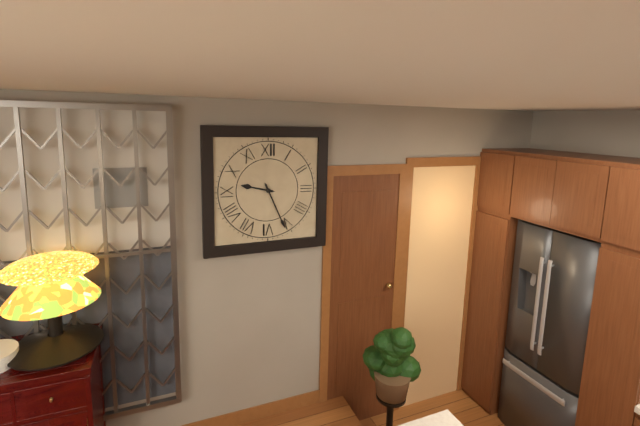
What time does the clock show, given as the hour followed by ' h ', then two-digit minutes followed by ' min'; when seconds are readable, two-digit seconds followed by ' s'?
9 h 26 min
